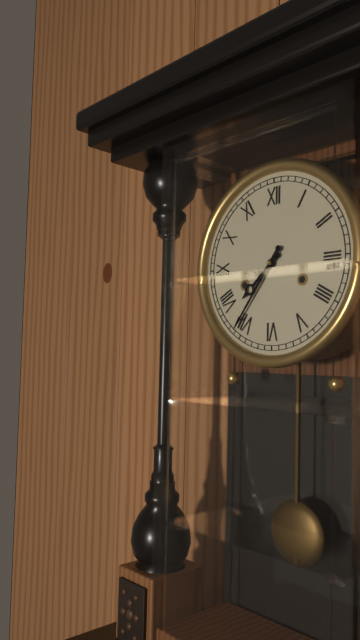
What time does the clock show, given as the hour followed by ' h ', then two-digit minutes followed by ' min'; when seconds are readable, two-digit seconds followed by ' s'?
7 h 36 min
